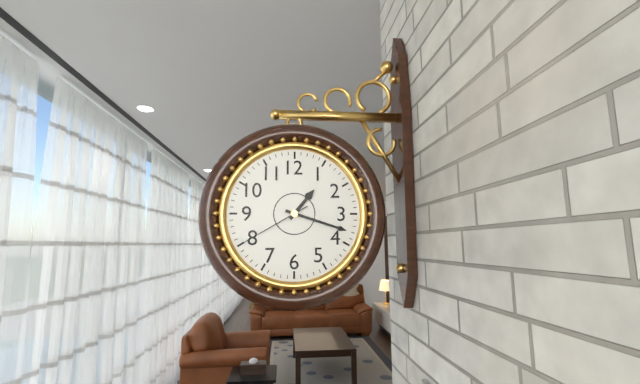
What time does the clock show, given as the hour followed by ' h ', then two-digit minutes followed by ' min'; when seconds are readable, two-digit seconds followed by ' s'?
1 h 18 min 40 s
